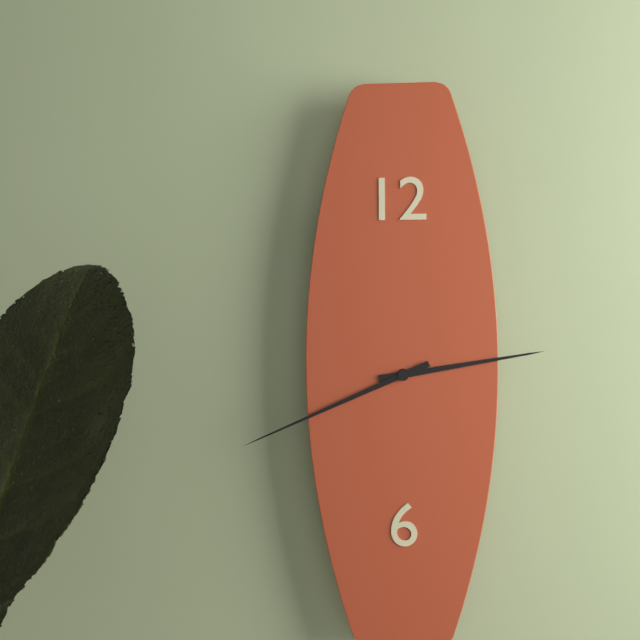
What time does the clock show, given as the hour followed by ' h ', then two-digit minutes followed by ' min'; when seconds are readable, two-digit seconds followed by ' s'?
2 h 41 min
